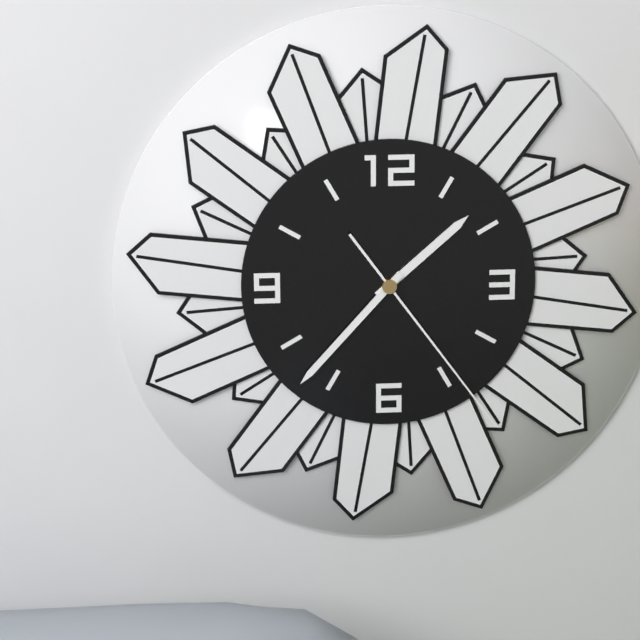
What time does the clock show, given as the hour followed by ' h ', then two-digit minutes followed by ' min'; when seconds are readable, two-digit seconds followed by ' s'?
1 h 37 min 24 s
